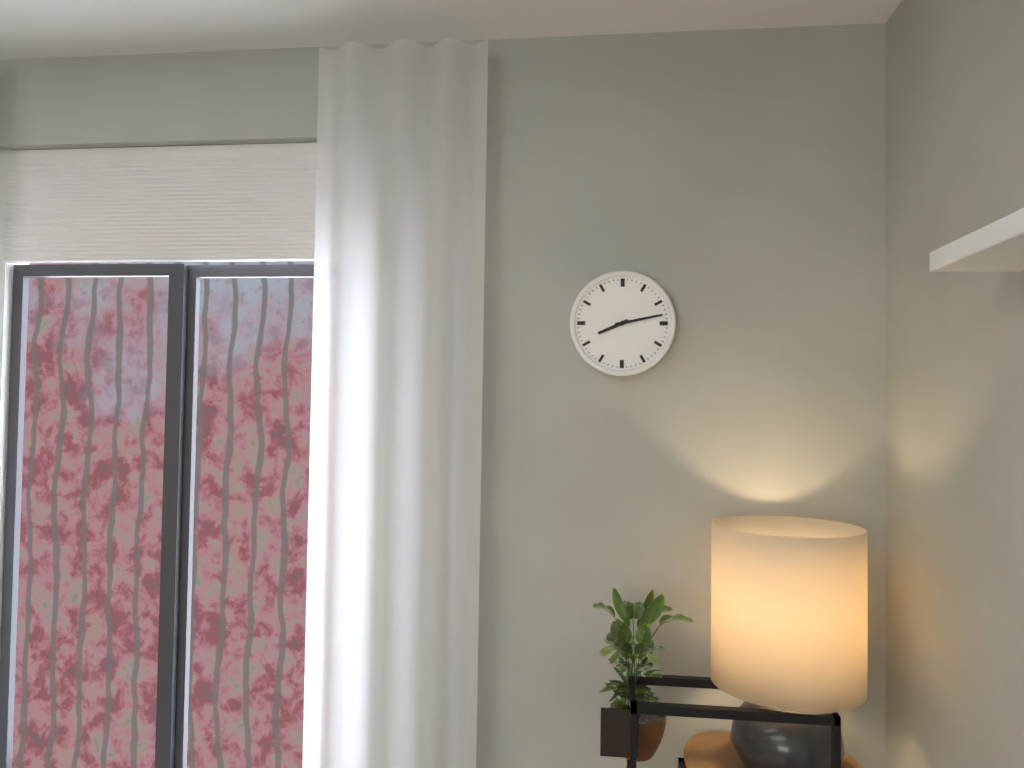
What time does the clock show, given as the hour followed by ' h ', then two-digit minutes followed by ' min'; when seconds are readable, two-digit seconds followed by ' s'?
8 h 13 min
